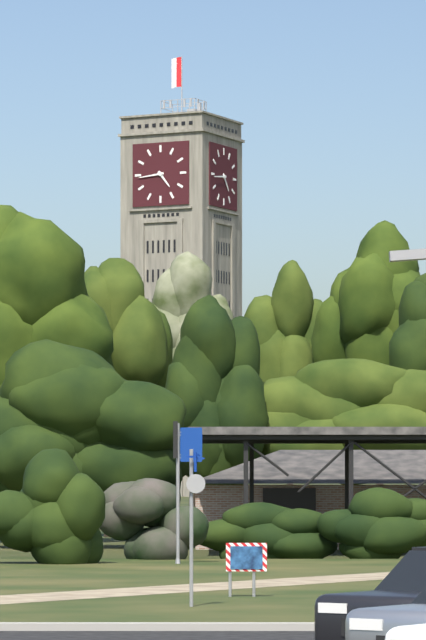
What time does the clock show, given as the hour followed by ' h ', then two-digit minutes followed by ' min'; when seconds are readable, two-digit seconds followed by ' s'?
4 h 44 min
